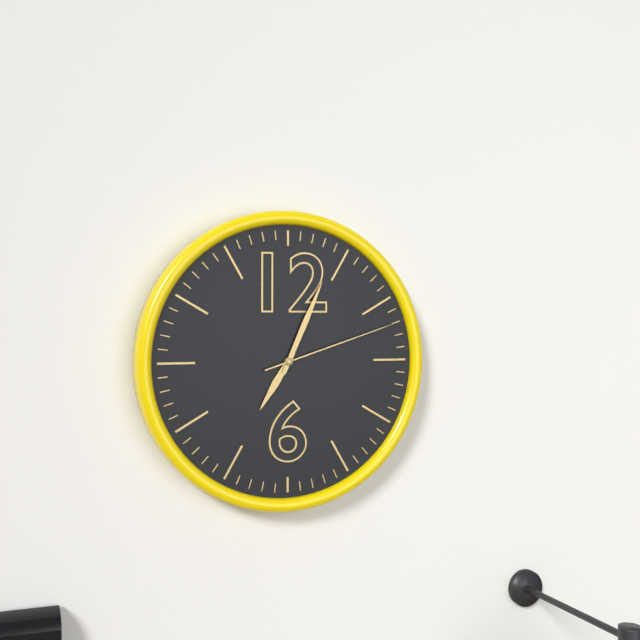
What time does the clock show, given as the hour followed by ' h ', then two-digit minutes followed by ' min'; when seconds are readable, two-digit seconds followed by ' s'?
7 h 04 min 12 s
